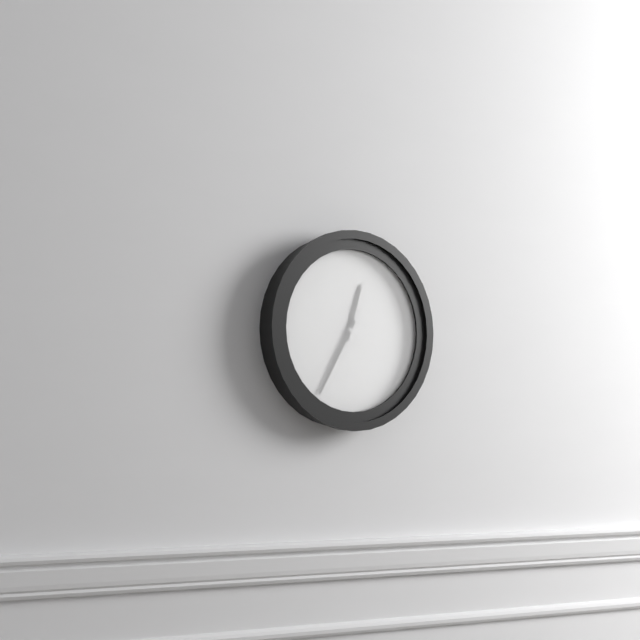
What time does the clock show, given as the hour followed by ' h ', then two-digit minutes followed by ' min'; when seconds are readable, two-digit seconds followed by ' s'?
12 h 35 min
